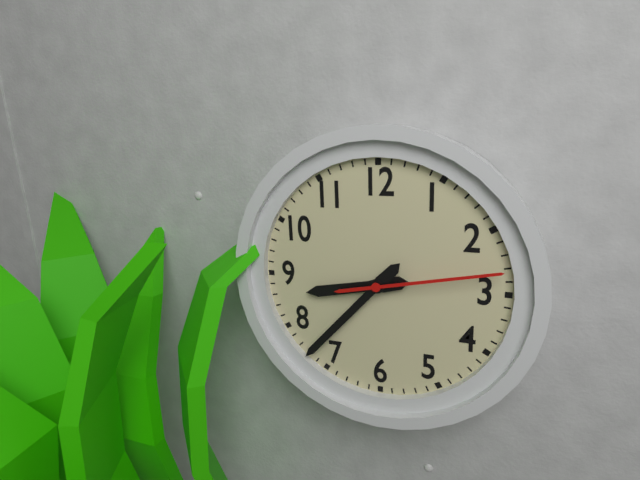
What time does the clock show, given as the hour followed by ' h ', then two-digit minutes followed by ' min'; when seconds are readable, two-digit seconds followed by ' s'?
8 h 37 min 13 s
